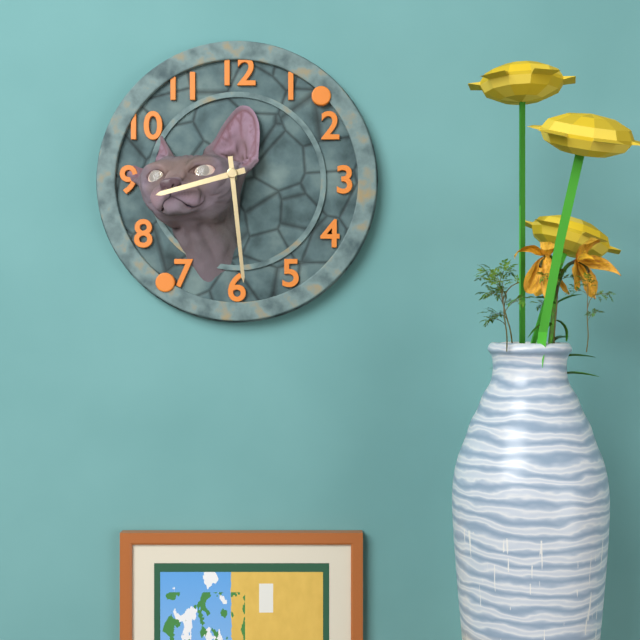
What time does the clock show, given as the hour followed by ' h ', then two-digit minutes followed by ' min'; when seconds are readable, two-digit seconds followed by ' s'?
8 h 29 min
